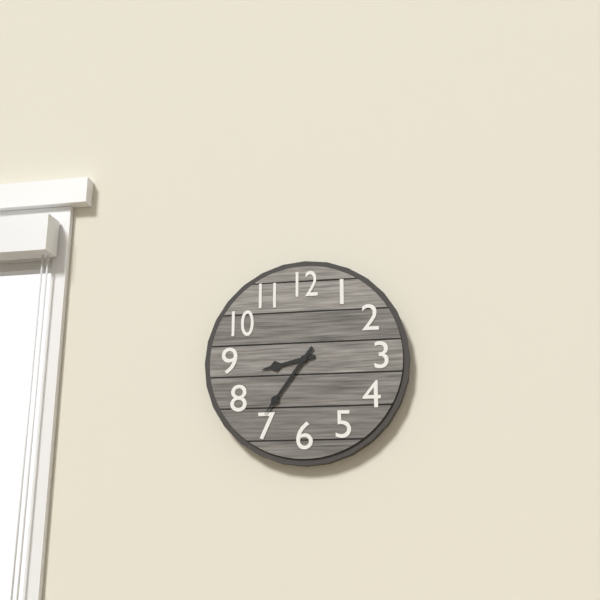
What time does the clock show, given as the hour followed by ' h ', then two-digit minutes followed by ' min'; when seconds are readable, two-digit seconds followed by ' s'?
8 h 36 min
